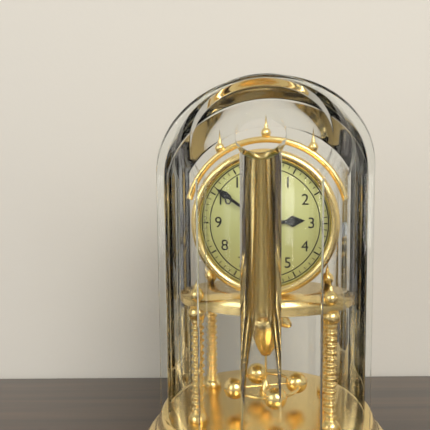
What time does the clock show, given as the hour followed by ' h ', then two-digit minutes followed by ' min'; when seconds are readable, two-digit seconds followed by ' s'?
2 h 51 min
